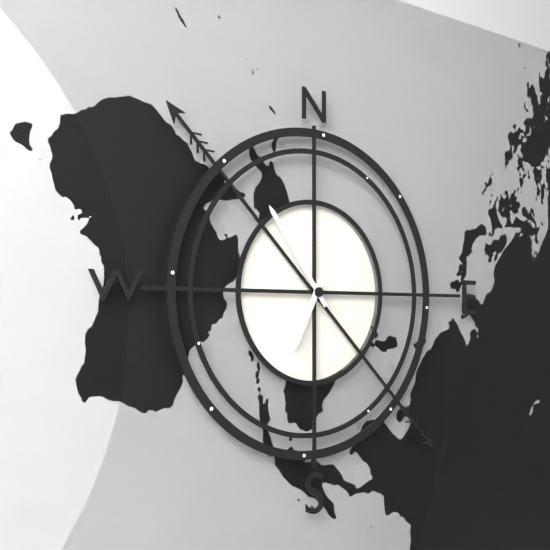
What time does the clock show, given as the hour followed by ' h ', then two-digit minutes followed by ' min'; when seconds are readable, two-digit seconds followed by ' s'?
6 h 54 min
